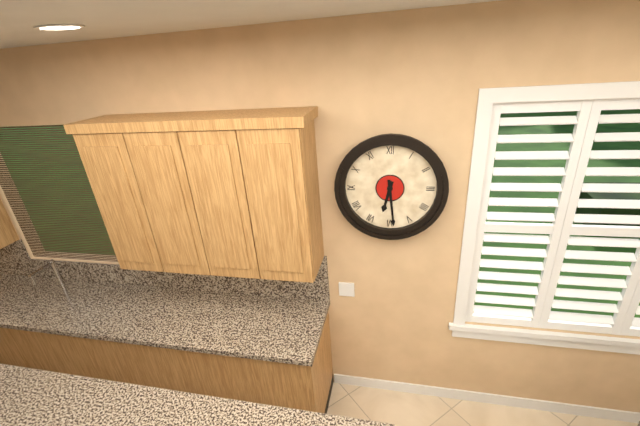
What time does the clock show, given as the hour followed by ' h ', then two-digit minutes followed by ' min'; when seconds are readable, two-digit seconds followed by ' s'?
6 h 29 min
